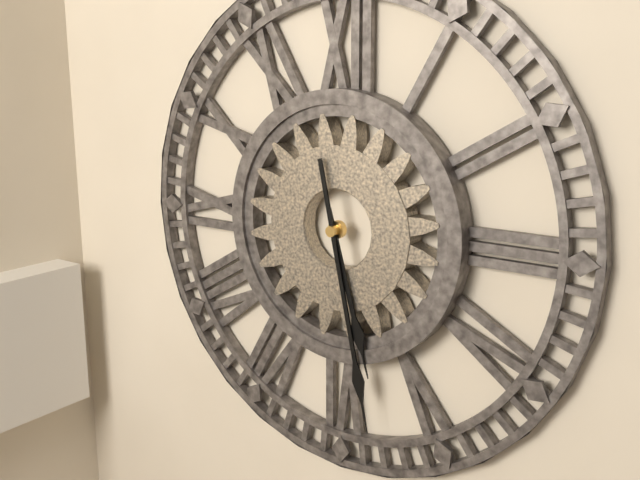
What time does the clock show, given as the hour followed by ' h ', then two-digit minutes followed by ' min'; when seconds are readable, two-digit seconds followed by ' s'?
5 h 28 min
